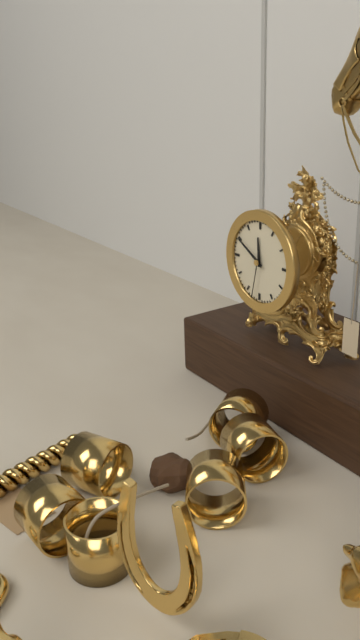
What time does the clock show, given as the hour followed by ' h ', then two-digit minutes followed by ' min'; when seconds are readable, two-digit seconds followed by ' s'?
11 h 50 min
